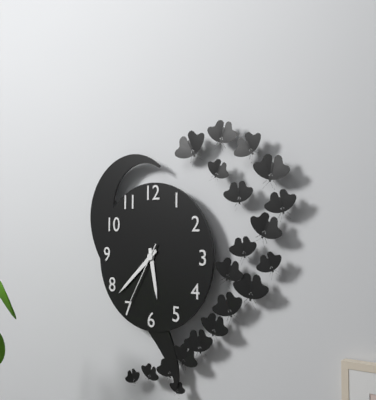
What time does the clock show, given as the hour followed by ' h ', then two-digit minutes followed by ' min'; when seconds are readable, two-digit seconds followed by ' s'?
5 h 38 min 35 s
